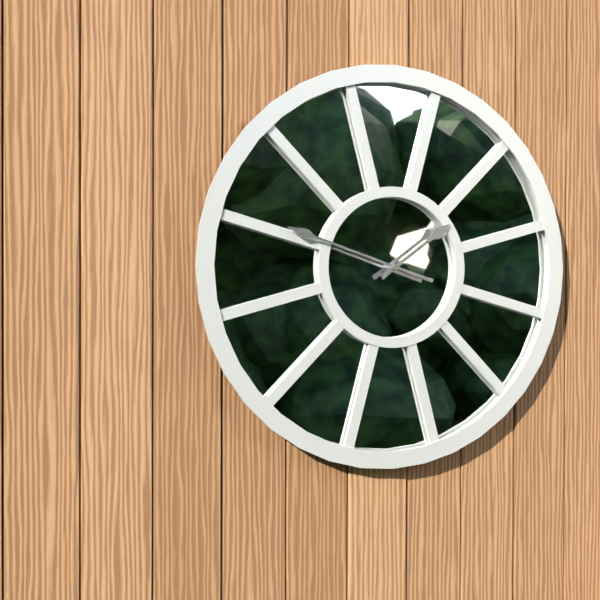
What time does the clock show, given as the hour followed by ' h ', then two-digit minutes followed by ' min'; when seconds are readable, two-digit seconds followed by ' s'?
1 h 48 min
